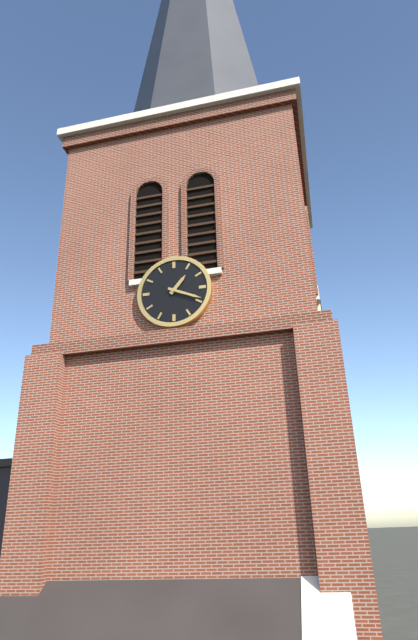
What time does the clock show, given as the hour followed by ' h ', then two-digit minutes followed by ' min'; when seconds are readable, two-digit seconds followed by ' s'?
1 h 19 min
